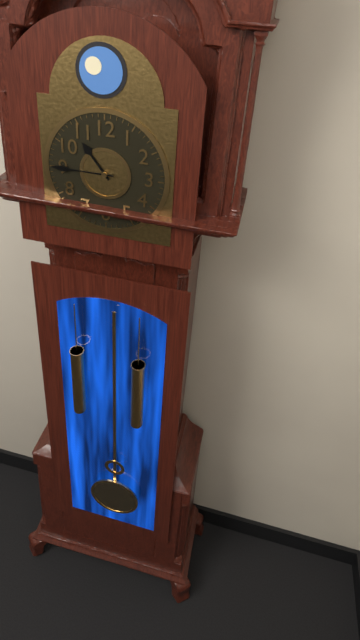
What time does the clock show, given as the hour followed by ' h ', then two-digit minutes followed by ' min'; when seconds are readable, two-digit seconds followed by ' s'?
10 h 45 min
